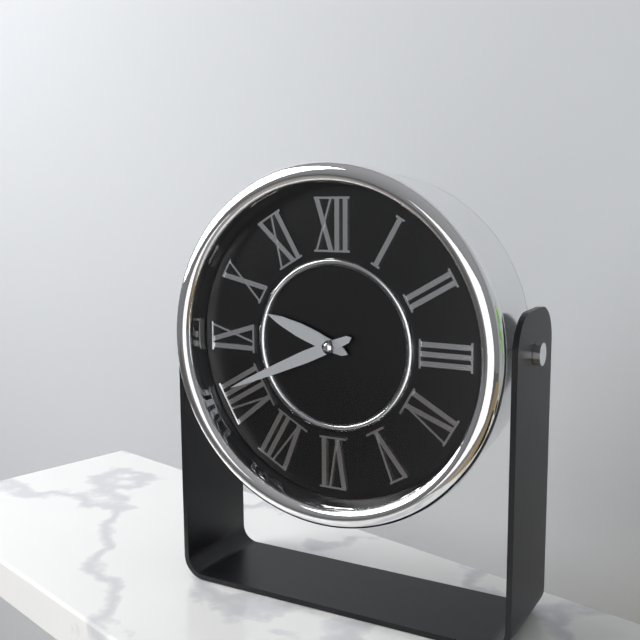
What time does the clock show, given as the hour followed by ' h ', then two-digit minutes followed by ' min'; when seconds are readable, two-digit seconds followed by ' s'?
9 h 41 min
